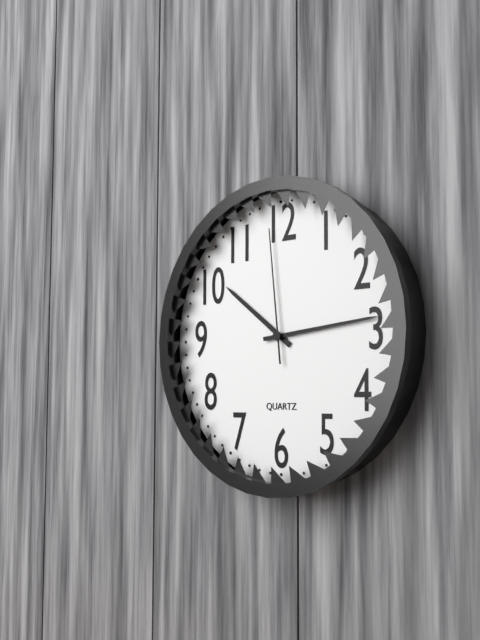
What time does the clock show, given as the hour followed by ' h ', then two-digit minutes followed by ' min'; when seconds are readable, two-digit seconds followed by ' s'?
10 h 14 min 59 s
